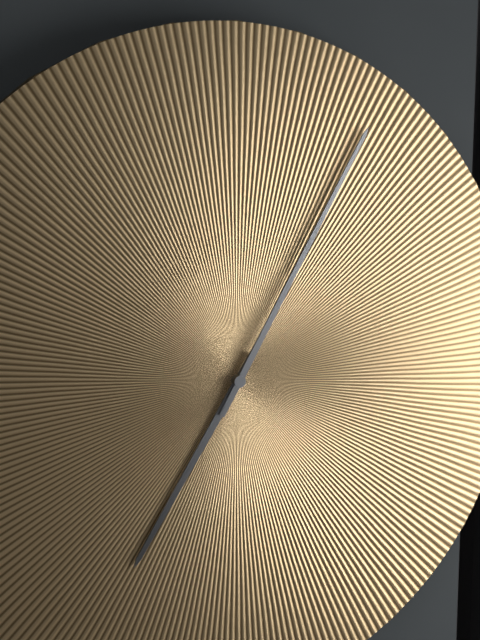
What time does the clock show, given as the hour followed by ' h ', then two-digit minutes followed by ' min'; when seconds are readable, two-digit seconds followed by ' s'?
7 h 05 min
